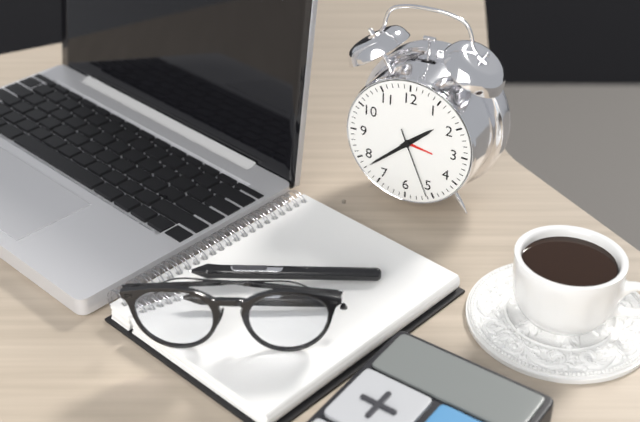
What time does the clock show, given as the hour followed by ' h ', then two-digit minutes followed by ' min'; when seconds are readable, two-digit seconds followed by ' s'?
1 h 38 min 26 s
